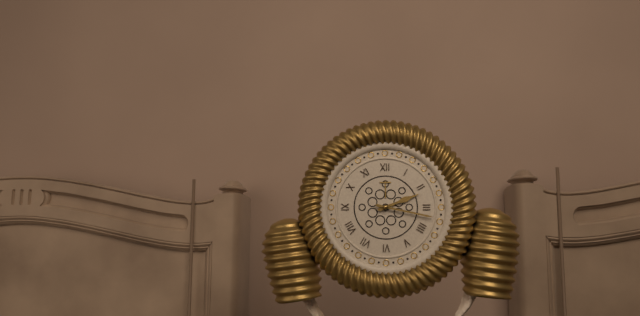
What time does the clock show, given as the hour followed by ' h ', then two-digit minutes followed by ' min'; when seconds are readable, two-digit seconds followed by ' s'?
2 h 17 min
